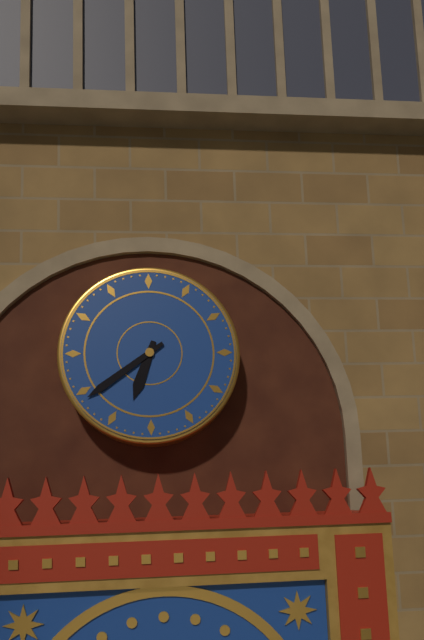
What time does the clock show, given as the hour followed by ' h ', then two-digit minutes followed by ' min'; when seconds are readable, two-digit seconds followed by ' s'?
6 h 39 min
